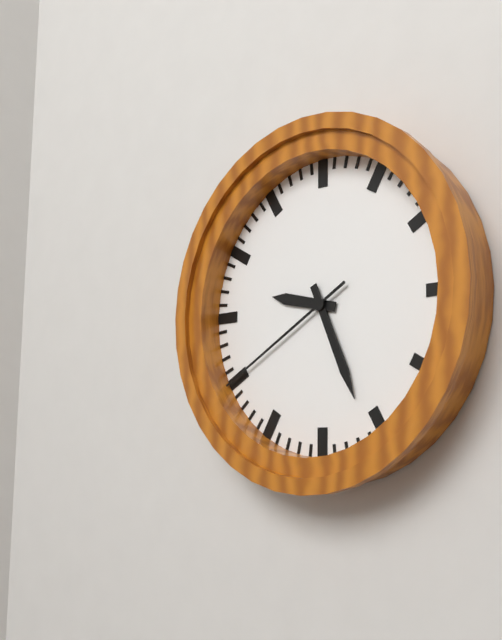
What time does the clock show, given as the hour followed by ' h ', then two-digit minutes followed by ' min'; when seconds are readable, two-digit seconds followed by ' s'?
9 h 26 min 40 s
